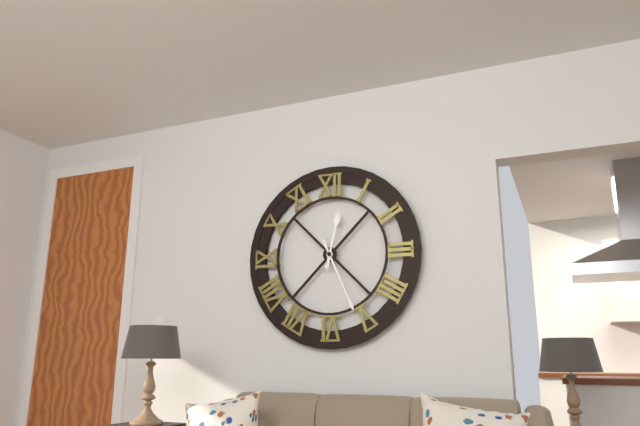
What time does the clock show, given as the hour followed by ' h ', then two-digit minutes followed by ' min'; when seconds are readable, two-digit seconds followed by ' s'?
12 h 26 min
